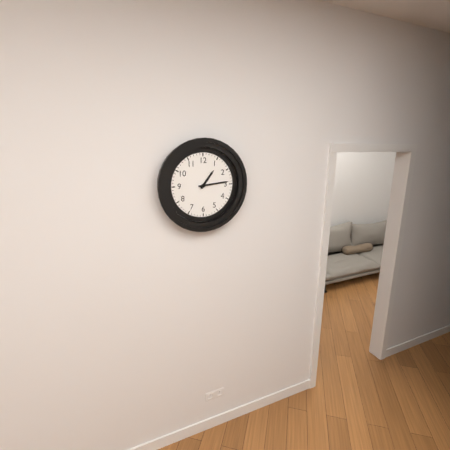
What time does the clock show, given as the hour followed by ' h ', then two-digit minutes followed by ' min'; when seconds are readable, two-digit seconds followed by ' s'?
1 h 14 min
